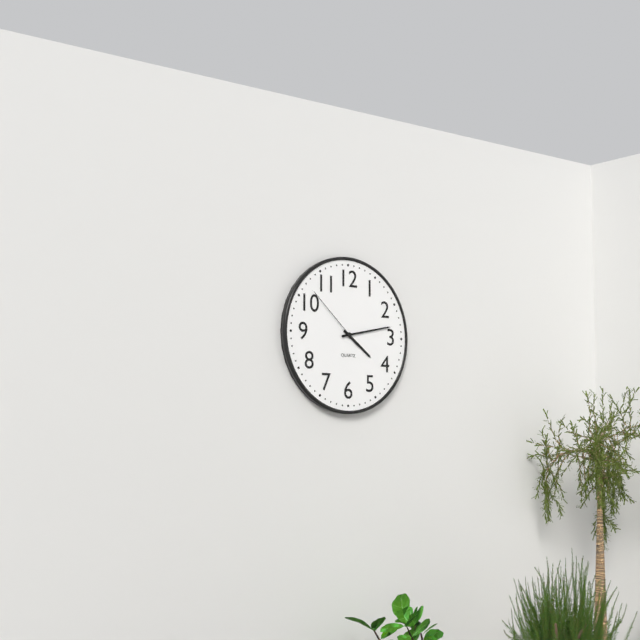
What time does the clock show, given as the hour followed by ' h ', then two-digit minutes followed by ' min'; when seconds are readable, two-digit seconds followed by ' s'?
4 h 13 min 52 s
